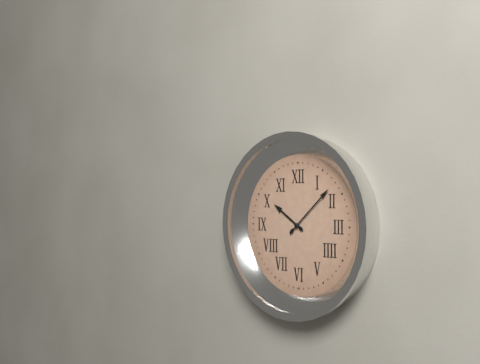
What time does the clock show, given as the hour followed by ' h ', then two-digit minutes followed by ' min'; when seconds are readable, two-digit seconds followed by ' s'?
10 h 08 min
